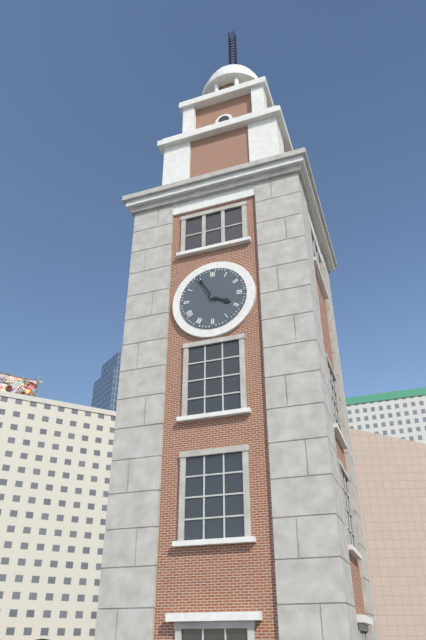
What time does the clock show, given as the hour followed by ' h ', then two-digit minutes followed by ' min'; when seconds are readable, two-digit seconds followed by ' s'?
3 h 55 min
